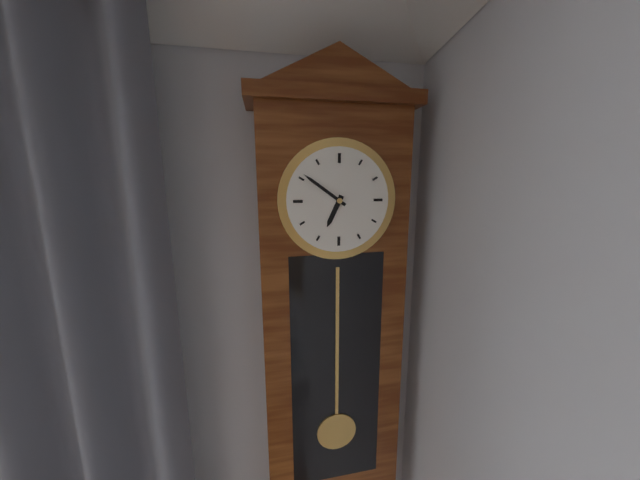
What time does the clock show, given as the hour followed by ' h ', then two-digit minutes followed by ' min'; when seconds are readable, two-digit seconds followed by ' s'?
6 h 51 min
